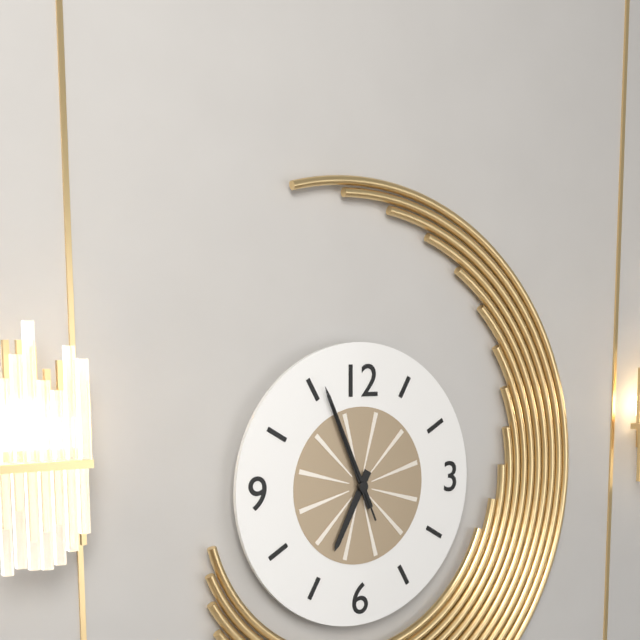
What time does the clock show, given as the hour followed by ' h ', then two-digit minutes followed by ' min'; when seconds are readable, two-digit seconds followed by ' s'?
6 h 56 min 56 s
